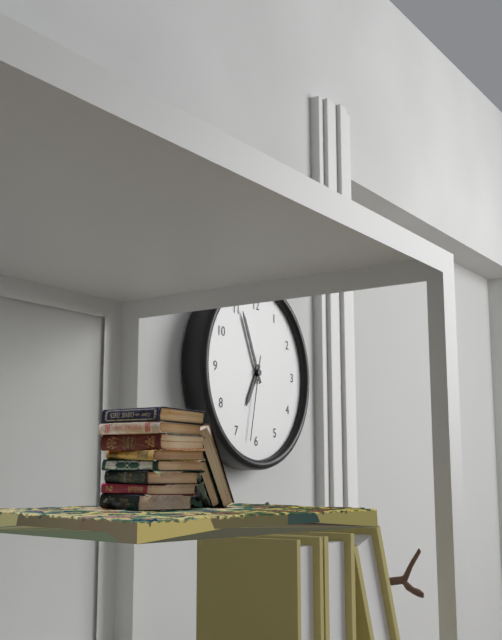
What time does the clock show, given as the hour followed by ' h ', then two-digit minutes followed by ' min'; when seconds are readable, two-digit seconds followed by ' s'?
6 h 56 min 32 s
